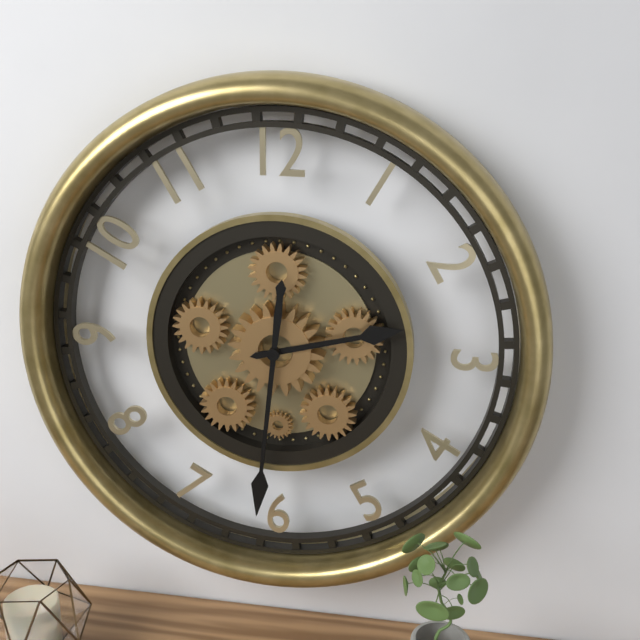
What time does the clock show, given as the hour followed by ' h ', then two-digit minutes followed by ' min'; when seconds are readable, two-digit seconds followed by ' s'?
2 h 31 min
